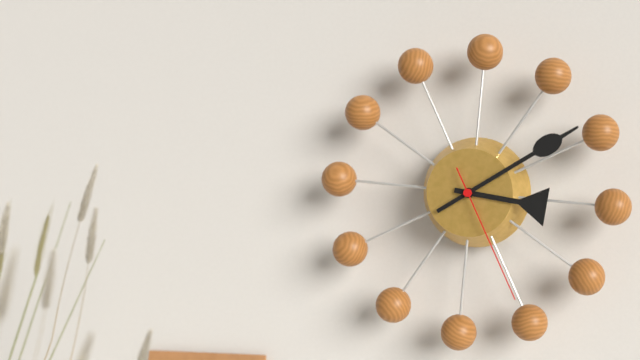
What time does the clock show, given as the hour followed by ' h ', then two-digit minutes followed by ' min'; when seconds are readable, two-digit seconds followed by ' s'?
3 h 09 min 25 s
